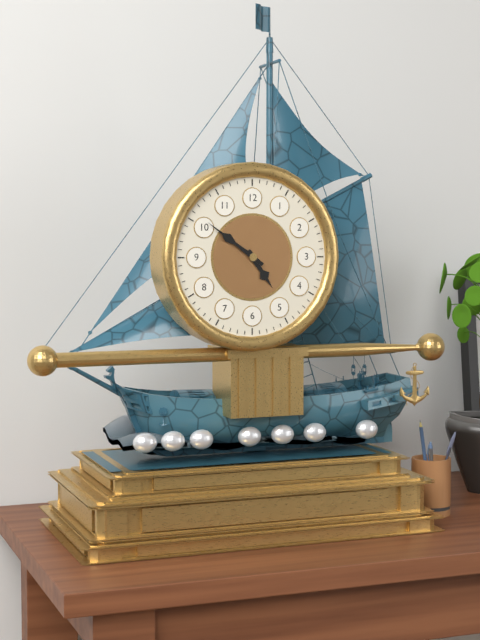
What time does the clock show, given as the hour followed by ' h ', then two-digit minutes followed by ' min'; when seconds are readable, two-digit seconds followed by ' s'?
4 h 51 min
